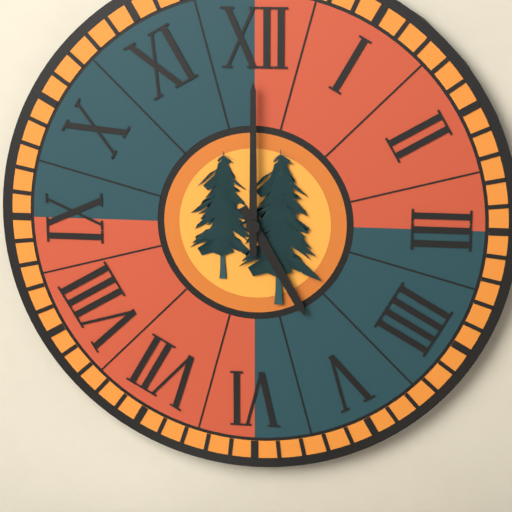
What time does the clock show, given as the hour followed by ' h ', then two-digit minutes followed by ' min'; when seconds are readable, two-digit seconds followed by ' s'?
5 h 00 min
